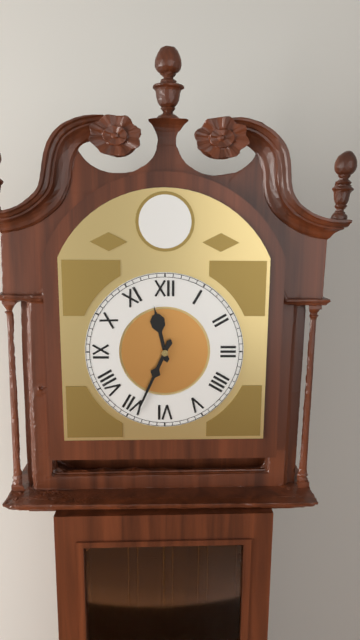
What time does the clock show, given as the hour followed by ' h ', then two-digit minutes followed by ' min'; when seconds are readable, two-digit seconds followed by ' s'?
11 h 34 min
